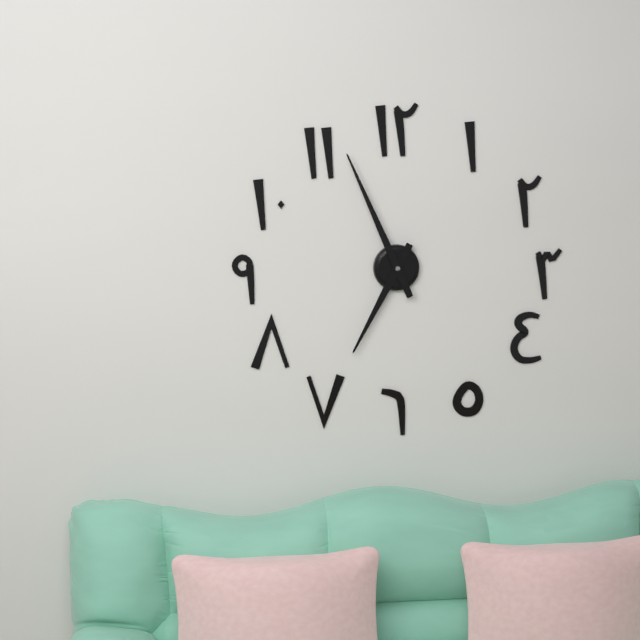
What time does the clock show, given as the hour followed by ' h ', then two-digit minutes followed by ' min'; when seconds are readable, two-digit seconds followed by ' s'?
6 h 56 min
